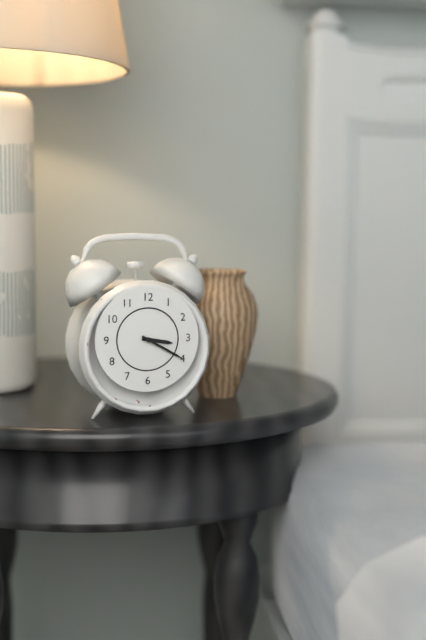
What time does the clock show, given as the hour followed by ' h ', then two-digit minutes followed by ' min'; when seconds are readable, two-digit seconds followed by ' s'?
3 h 20 min
